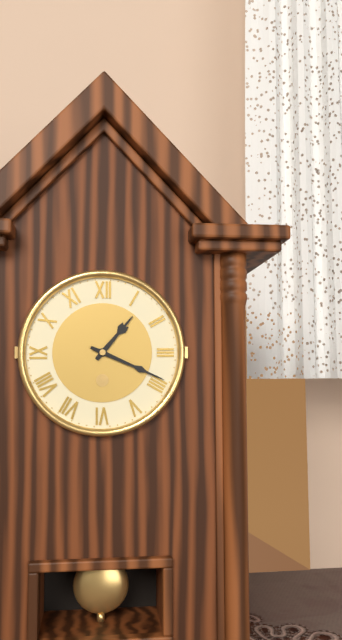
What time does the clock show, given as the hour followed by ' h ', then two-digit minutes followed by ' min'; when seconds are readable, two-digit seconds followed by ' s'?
1 h 19 min
